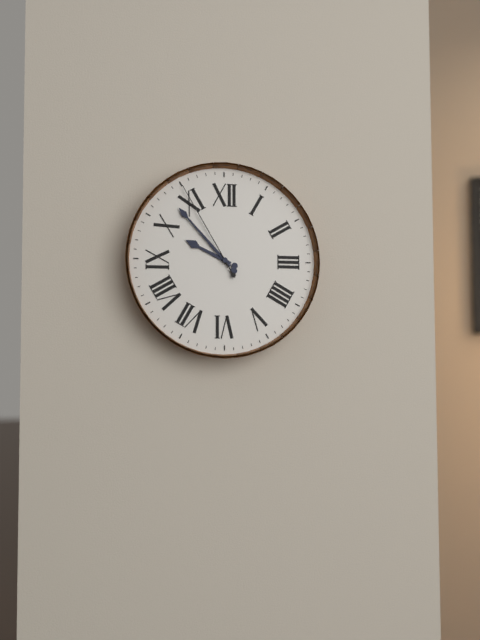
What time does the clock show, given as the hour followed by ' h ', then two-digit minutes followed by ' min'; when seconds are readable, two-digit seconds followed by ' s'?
9 h 53 min 55 s
